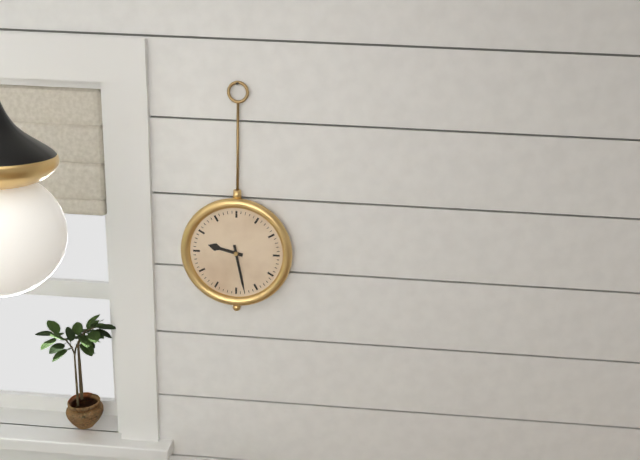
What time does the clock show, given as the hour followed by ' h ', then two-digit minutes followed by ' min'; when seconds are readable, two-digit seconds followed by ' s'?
9 h 28 min
